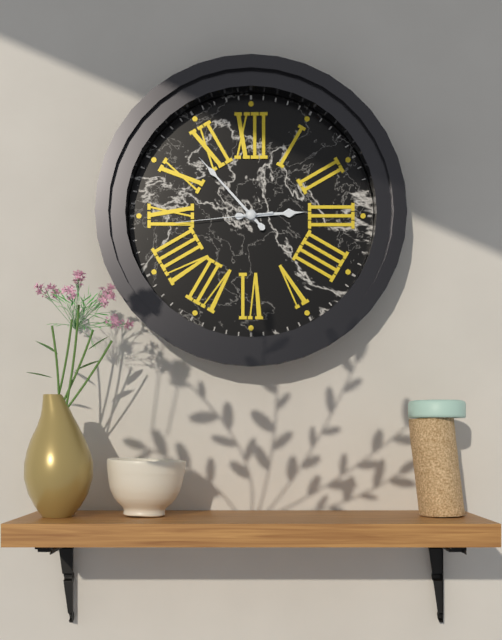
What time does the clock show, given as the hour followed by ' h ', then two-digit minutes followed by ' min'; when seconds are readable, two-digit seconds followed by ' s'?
2 h 53 min 44 s
